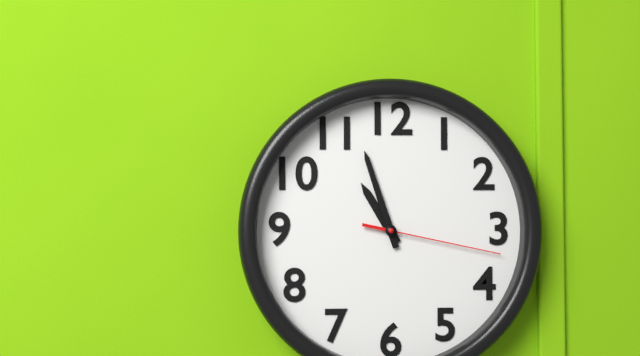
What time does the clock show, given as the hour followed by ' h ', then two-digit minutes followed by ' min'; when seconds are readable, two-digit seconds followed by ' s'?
10 h 57 min 17 s
